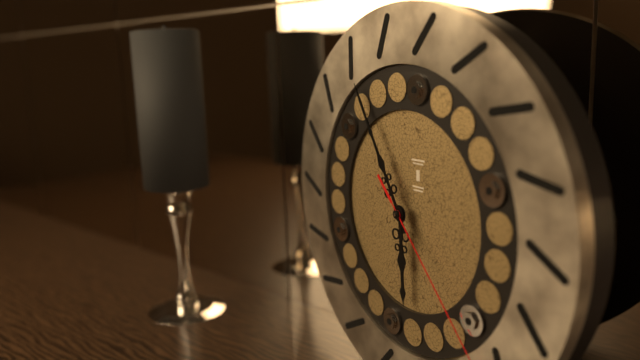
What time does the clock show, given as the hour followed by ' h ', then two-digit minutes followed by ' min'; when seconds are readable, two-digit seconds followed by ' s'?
5 h 55 min
